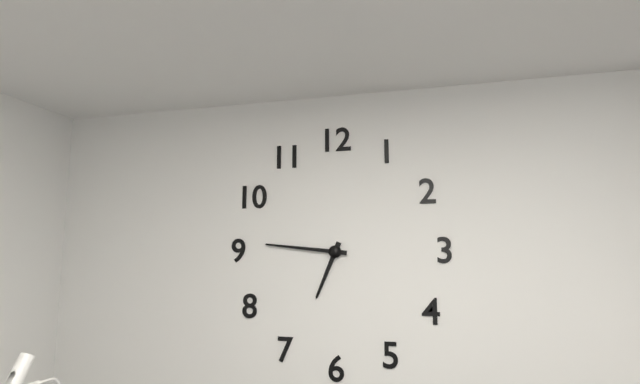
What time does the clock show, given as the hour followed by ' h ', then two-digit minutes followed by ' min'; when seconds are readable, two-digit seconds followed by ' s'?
6 h 46 min
